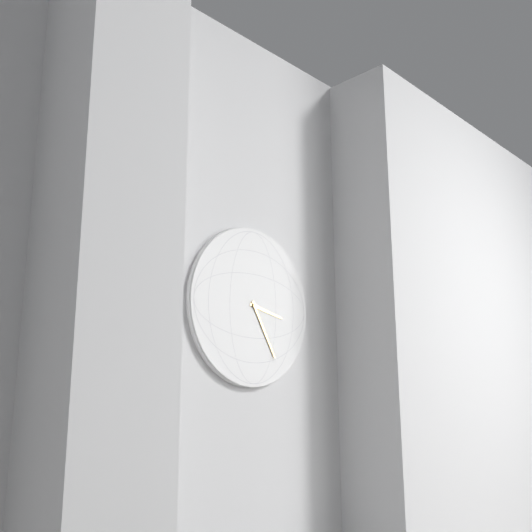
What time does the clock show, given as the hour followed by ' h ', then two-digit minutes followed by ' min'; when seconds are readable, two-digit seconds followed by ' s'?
3 h 25 min
